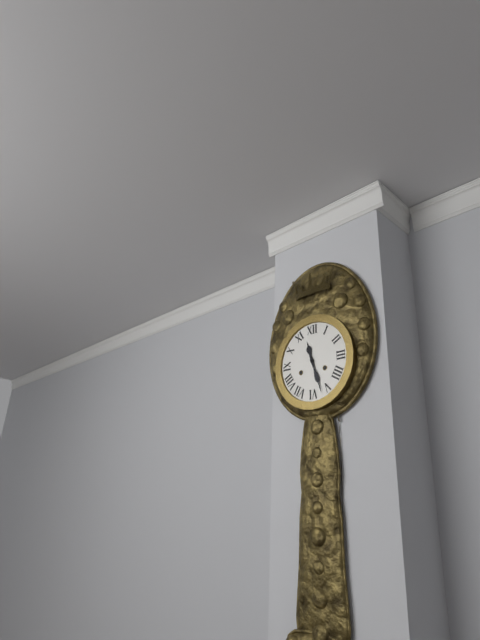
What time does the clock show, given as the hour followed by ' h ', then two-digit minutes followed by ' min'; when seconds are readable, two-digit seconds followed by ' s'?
11 h 27 min
